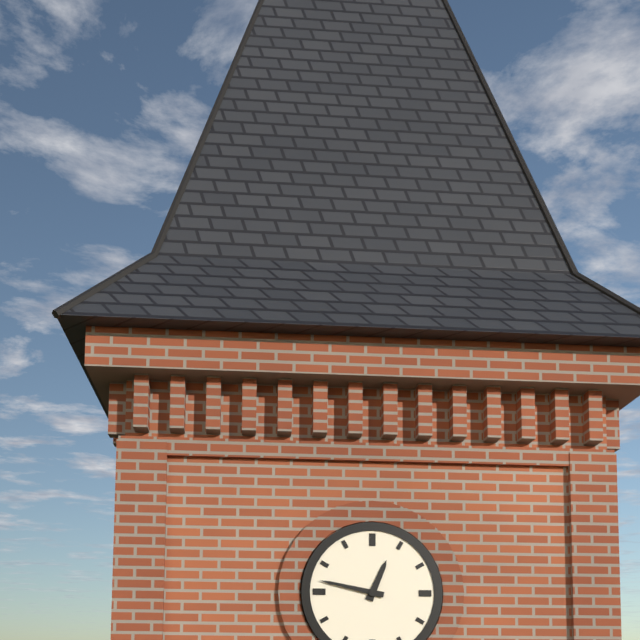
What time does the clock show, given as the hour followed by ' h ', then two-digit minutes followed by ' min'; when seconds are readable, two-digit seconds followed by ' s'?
12 h 47 min
